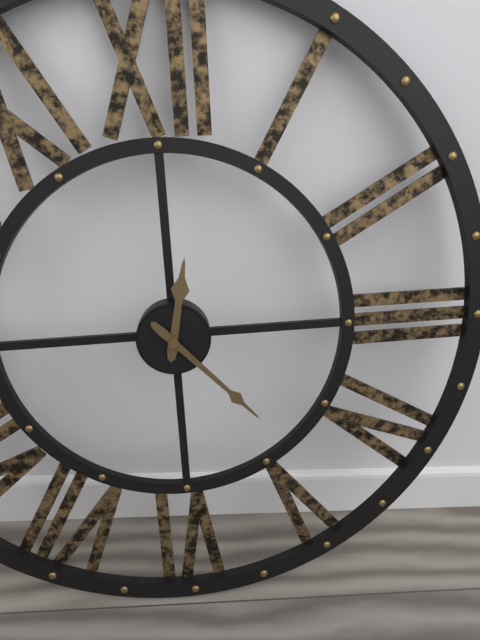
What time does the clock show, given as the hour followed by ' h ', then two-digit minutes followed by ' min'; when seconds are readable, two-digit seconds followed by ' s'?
12 h 23 min
